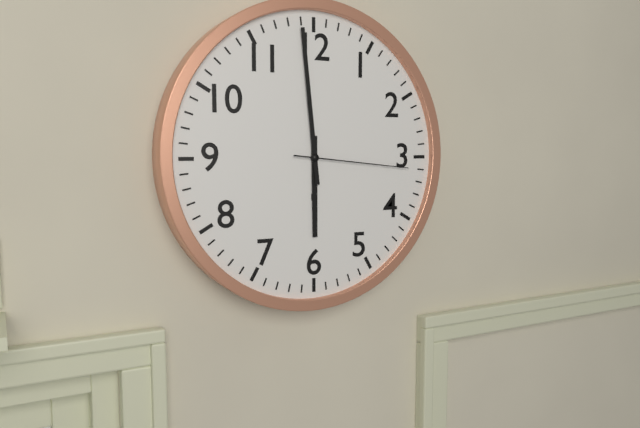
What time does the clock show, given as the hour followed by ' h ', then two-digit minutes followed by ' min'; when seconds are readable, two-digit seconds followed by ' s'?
5 h 59 min 16 s
